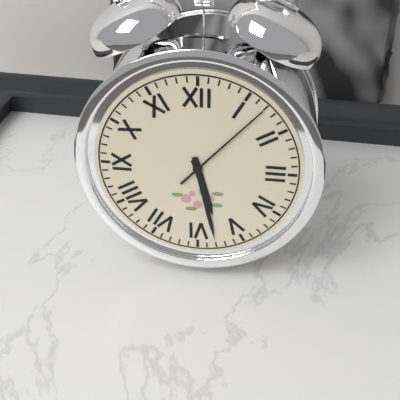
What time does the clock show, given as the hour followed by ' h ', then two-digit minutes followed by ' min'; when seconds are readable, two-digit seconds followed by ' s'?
5 h 28 min 07 s
